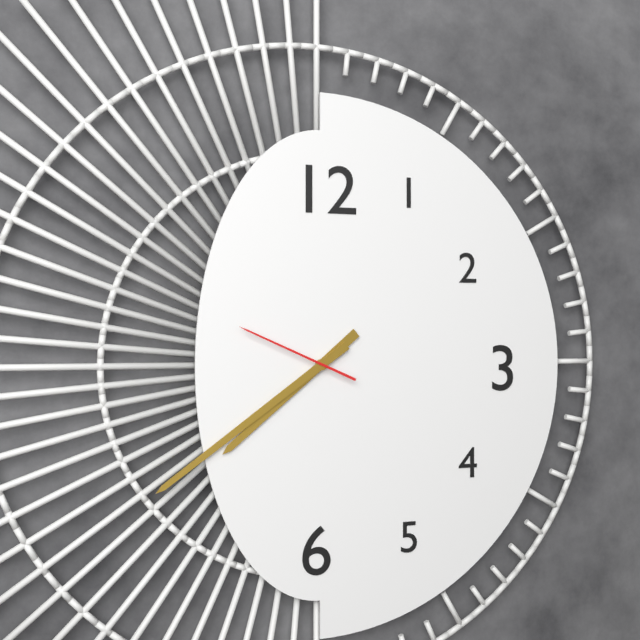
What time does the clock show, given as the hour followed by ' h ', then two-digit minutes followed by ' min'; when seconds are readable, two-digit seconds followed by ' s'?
7 h 39 min 49 s
